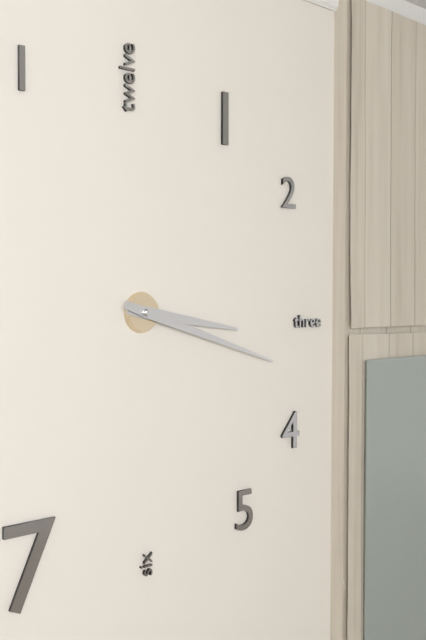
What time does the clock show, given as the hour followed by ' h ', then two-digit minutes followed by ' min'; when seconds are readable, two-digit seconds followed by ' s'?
3 h 18 min
